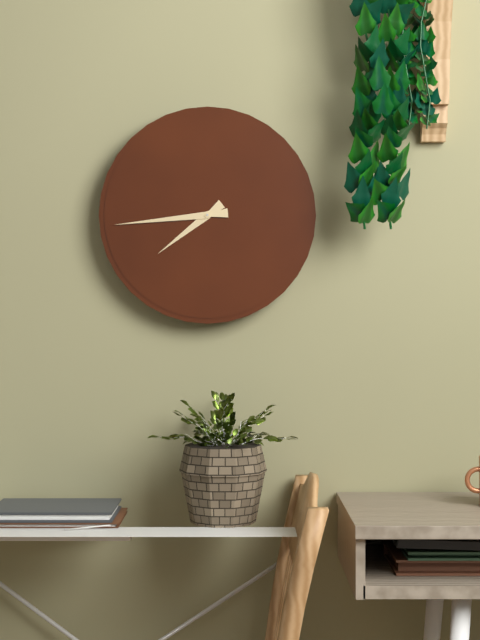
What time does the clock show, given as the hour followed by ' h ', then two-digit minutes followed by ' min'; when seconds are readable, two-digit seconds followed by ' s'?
7 h 44 min
